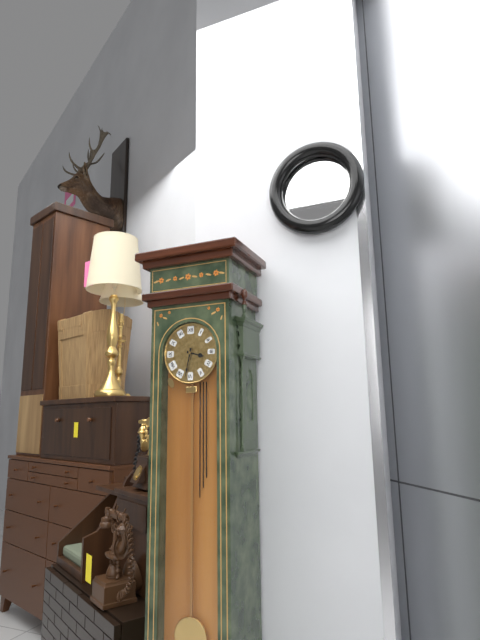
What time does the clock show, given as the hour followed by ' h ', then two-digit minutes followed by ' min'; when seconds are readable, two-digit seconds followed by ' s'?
3 h 32 min
